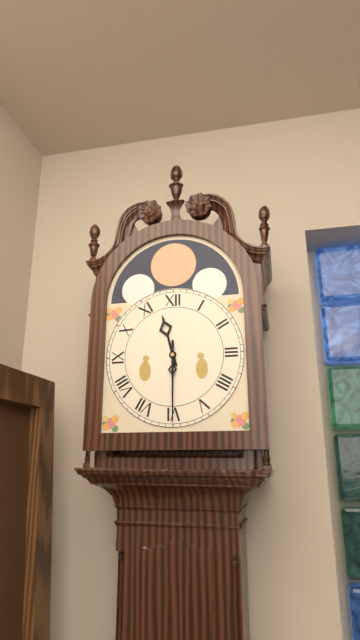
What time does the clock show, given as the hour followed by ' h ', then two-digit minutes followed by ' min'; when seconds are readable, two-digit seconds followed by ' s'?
11 h 30 min
